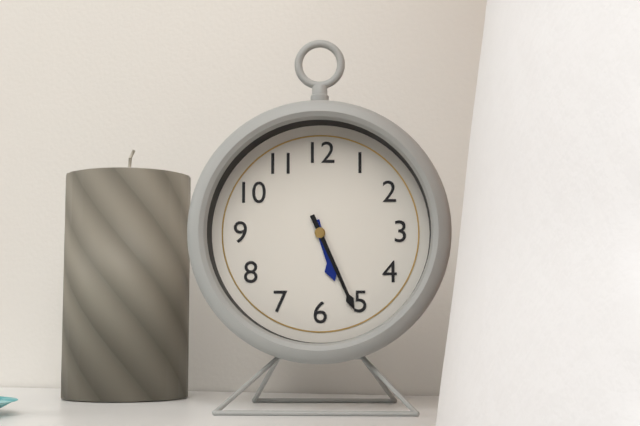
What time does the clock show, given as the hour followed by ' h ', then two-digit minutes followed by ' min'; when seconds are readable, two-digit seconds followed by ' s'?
5 h 26 min
